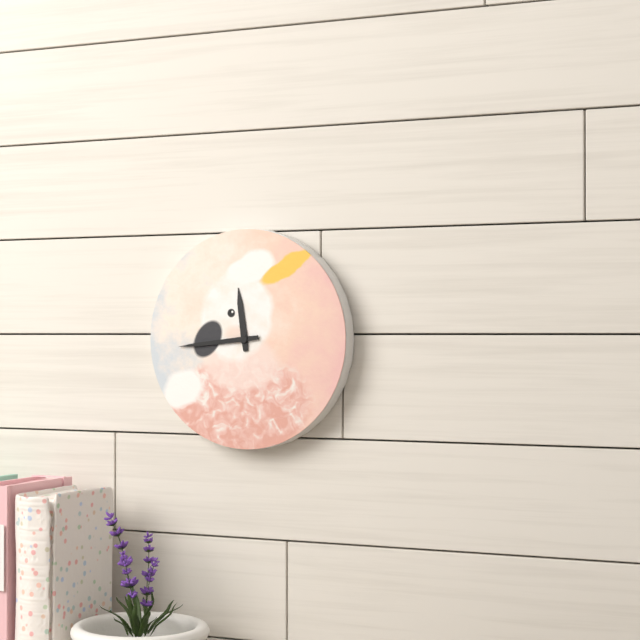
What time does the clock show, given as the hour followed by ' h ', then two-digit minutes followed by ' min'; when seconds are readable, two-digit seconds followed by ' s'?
11 h 44 min
